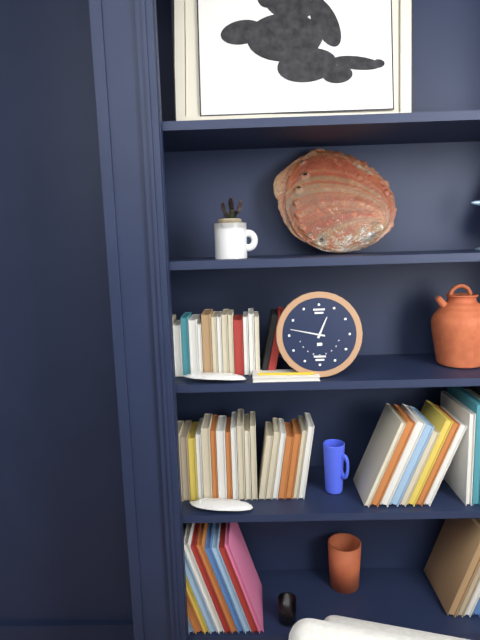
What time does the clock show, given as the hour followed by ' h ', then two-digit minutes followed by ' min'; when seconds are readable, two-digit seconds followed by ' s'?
12 h 47 min
